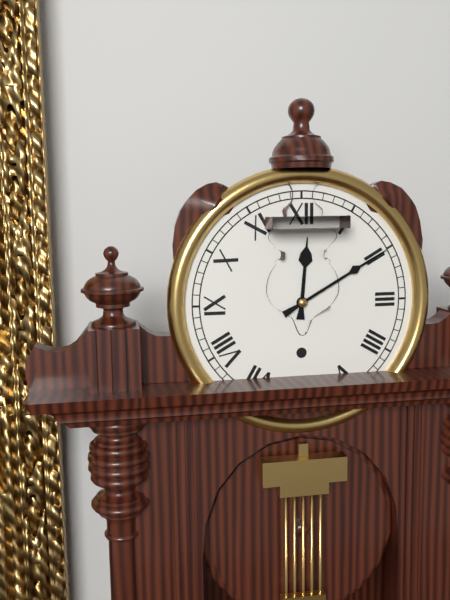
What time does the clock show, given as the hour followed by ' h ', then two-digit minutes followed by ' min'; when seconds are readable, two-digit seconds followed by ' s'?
12 h 10 min
